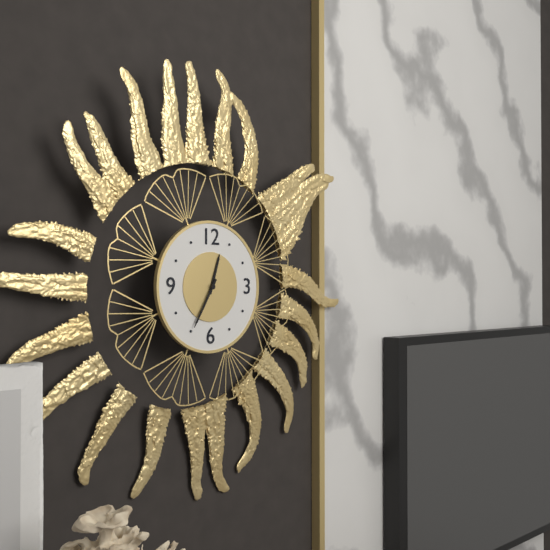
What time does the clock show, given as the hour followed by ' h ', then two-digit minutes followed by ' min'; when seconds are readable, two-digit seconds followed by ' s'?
12 h 35 min
